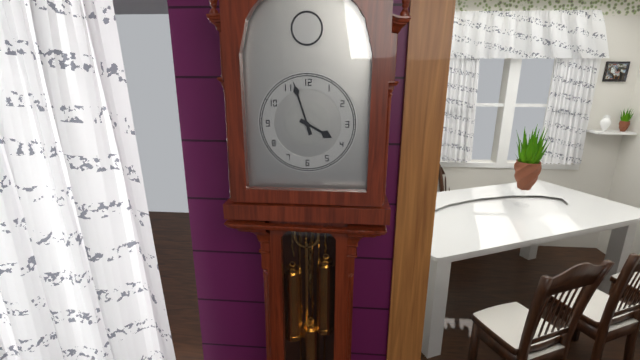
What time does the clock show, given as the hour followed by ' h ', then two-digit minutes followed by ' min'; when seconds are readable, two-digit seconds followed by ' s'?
3 h 57 min
